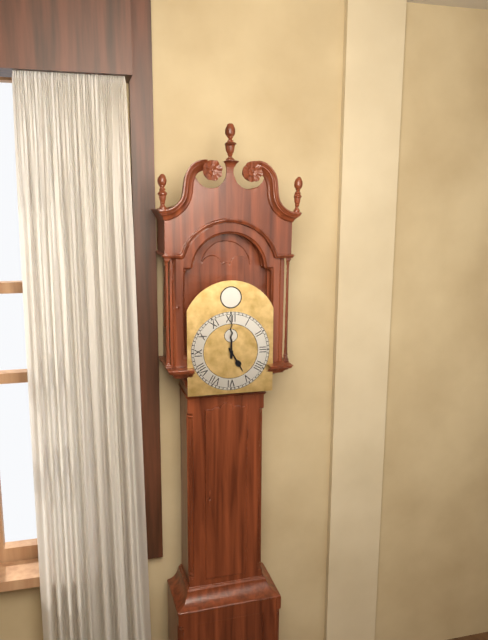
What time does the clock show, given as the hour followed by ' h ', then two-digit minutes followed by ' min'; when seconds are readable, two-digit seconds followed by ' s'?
5 h 00 min
